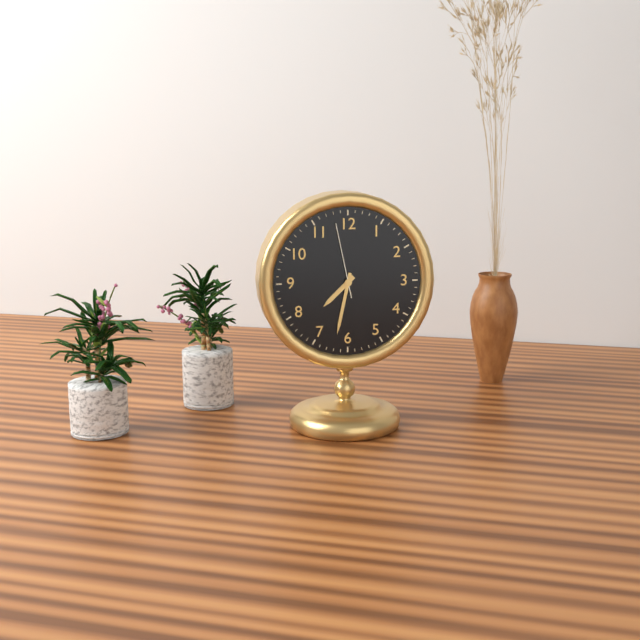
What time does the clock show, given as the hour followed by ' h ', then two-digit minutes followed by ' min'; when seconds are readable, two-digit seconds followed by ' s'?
7 h 32 min 58 s
